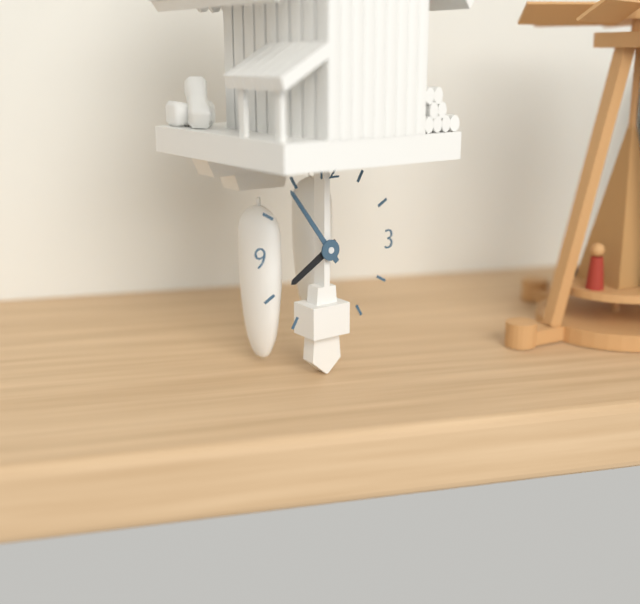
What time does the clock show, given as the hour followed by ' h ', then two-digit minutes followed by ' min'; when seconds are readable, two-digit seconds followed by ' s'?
7 h 54 min
